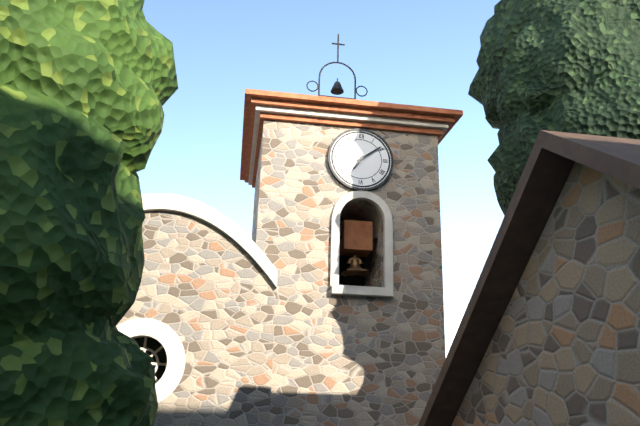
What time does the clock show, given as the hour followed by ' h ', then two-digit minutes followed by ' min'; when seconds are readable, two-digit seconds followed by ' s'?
7 h 09 min
